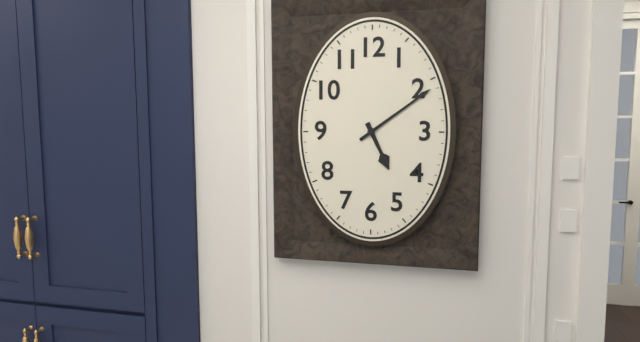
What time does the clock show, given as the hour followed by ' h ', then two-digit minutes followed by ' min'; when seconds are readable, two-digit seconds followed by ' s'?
5 h 09 min
